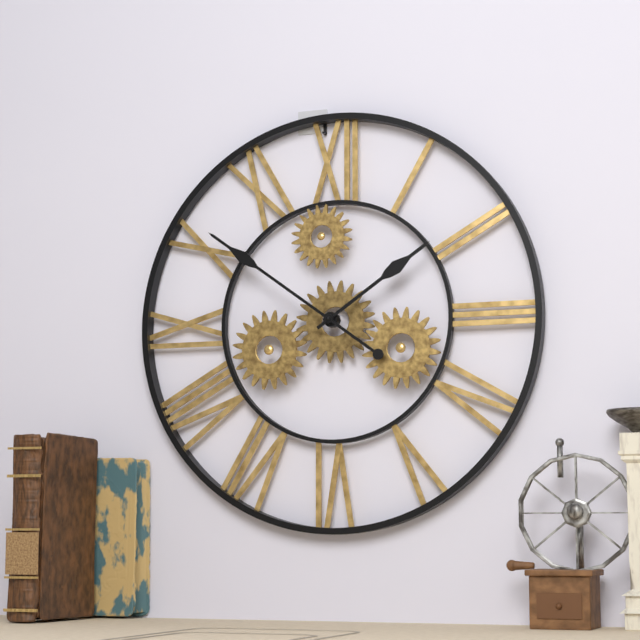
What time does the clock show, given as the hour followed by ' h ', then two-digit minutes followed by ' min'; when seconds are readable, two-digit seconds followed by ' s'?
1 h 51 min
